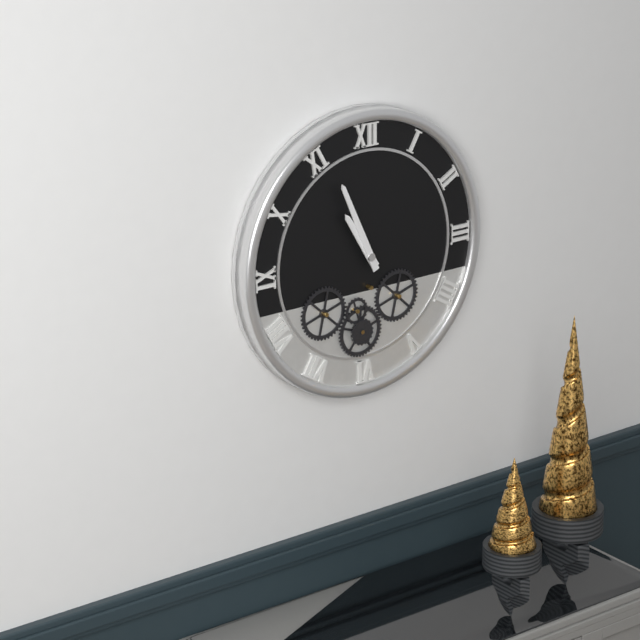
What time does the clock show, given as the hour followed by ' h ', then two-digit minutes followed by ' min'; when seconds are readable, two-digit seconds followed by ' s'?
10 h 56 min
